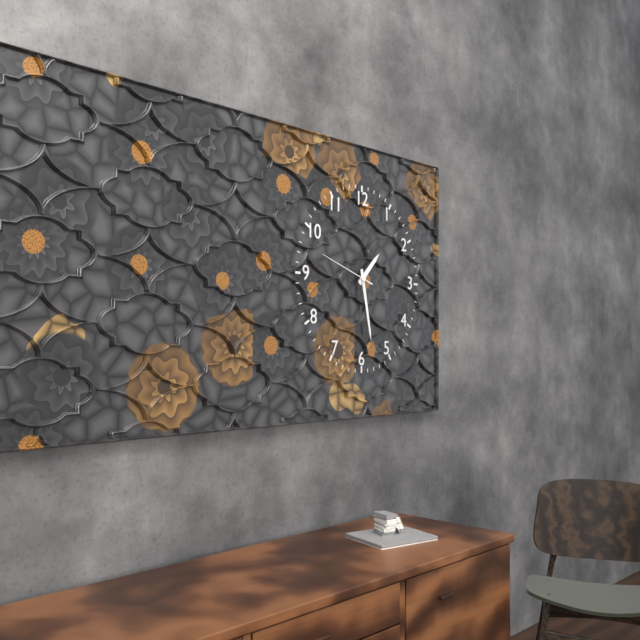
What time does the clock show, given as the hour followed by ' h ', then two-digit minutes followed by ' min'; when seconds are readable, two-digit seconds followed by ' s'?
1 h 28 min 48 s
